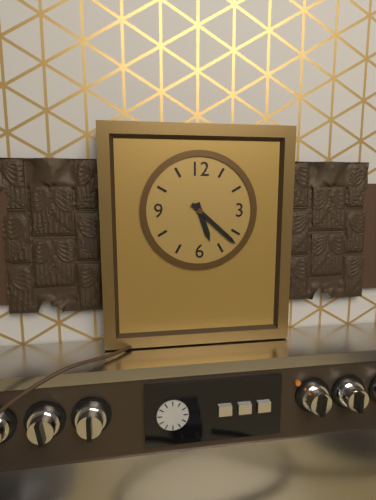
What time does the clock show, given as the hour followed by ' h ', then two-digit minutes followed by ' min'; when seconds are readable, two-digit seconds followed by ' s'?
5 h 22 min
